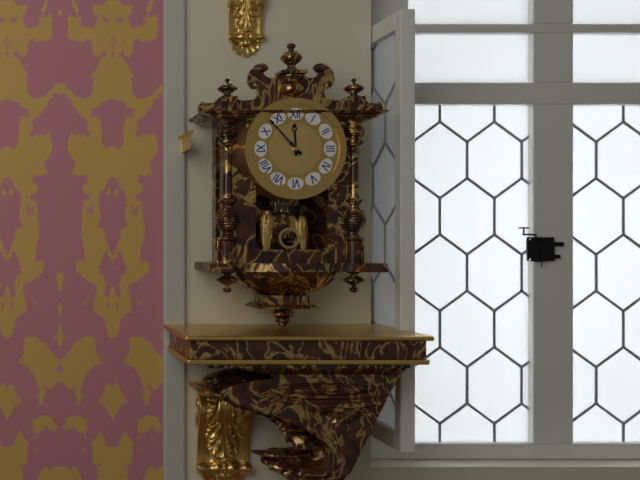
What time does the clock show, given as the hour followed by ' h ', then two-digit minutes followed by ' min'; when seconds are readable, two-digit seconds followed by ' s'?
11 h 53 min
